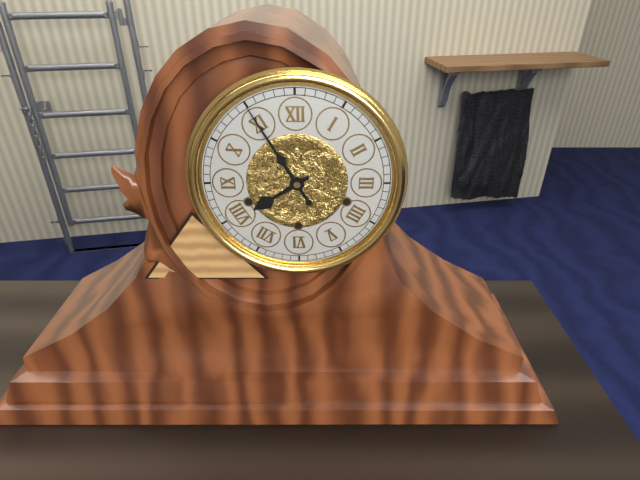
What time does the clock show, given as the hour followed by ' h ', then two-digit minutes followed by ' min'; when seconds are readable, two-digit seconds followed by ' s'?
7 h 55 min
